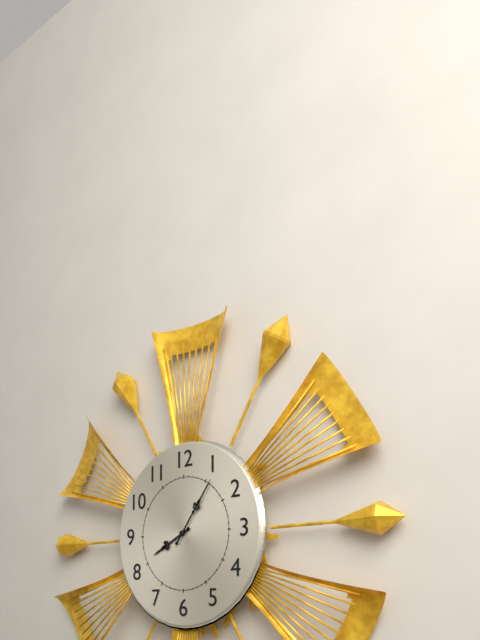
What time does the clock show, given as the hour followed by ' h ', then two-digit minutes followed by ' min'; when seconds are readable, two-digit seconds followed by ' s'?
8 h 06 min
